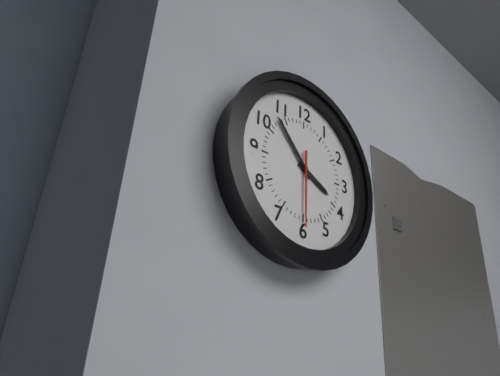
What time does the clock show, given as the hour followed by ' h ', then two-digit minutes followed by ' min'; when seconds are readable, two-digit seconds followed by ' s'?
3 h 53 min 30 s
